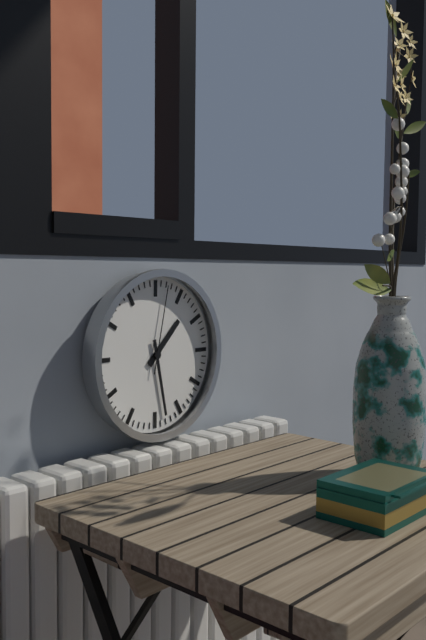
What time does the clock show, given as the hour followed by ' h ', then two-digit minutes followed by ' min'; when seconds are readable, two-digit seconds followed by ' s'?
1 h 28 min 02 s
